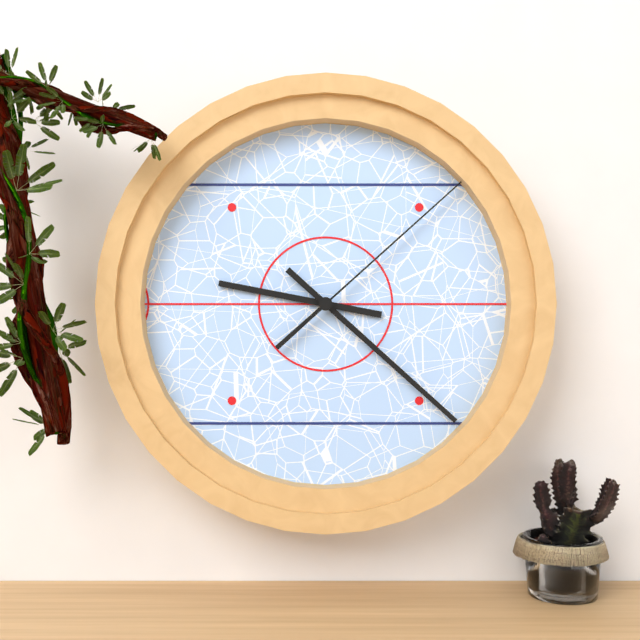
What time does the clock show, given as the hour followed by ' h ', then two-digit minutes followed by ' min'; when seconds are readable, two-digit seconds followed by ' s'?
9 h 22 min 08 s
